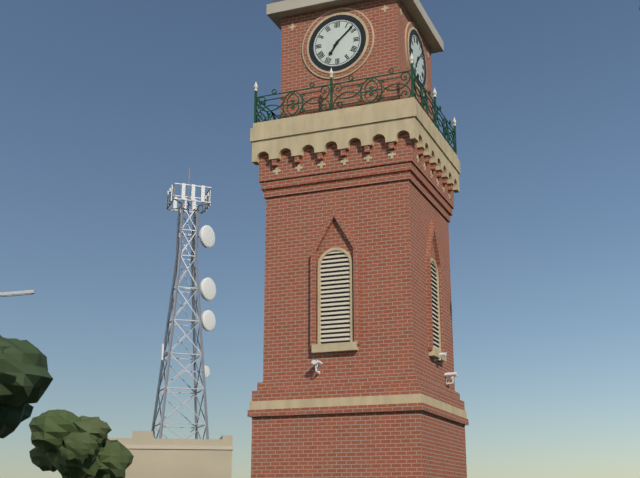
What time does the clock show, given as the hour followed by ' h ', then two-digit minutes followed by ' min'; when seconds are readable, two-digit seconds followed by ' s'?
7 h 08 min
